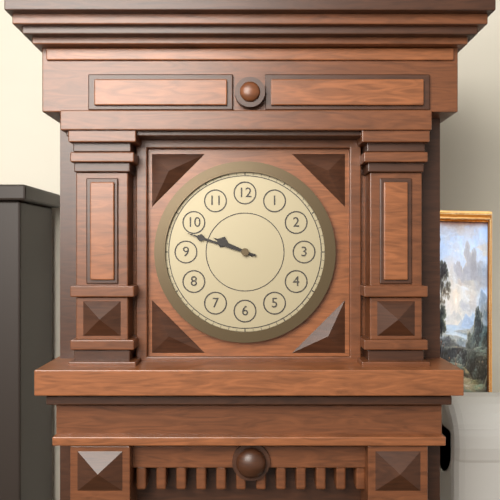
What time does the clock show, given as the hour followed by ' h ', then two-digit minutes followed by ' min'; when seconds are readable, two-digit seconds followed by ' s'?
9 h 48 min
